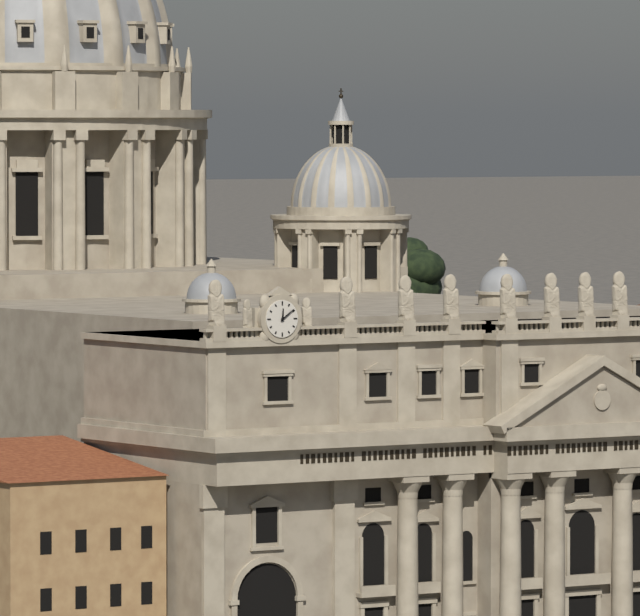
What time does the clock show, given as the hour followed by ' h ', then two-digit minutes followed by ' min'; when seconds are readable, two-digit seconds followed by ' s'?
12 h 09 min
